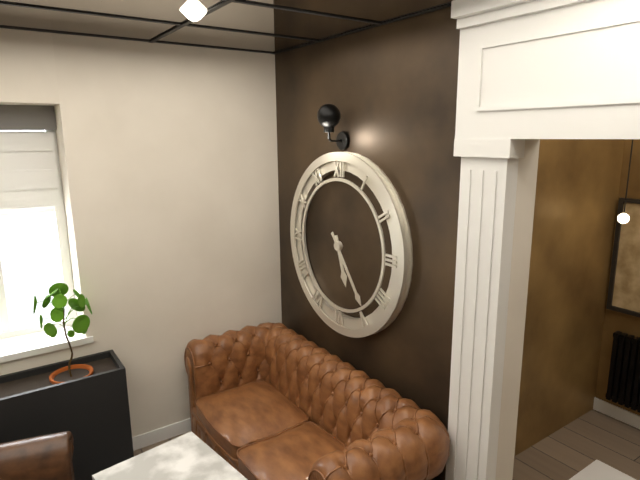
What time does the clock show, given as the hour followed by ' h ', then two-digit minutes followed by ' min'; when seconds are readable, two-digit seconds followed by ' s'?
5 h 24 min
